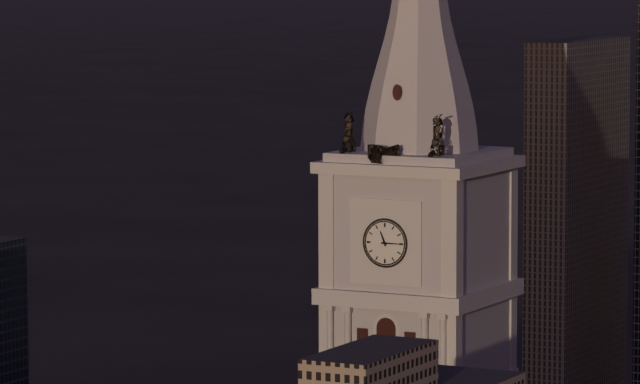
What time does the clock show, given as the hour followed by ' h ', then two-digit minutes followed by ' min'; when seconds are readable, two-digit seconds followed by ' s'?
11 h 15 min
